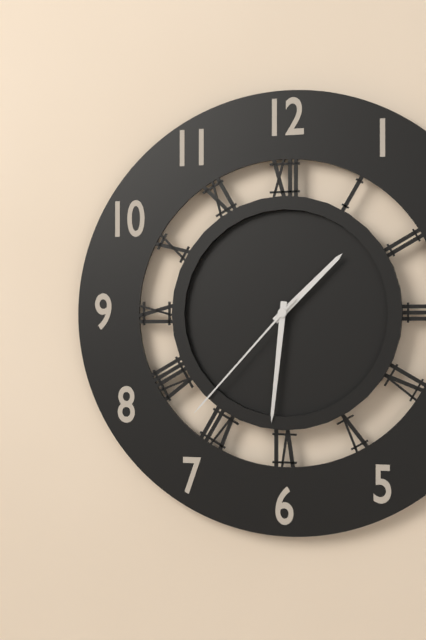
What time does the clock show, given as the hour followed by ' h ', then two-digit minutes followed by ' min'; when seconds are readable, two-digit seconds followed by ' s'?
1 h 31 min 37 s
